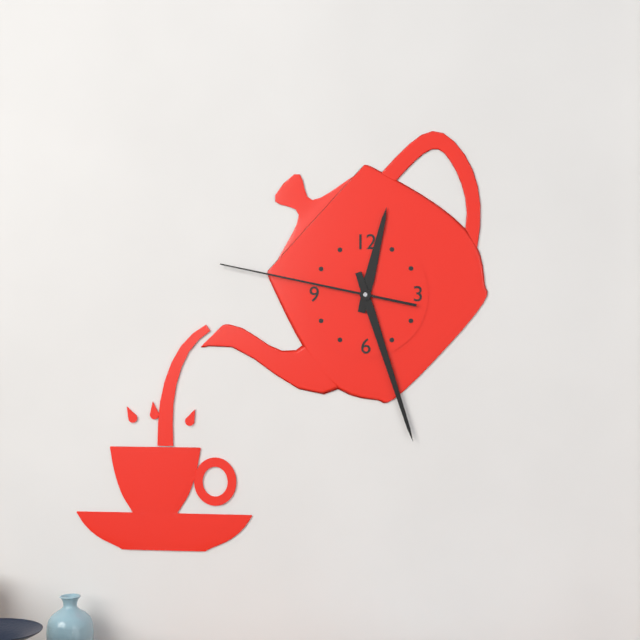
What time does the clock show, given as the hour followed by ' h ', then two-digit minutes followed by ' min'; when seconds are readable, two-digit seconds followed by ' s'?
12 h 27 min 47 s
